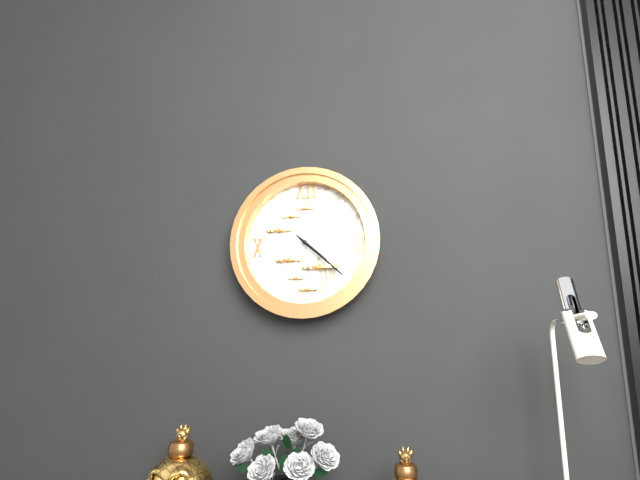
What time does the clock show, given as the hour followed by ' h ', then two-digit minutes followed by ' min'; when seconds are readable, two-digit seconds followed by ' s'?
4 h 22 min
